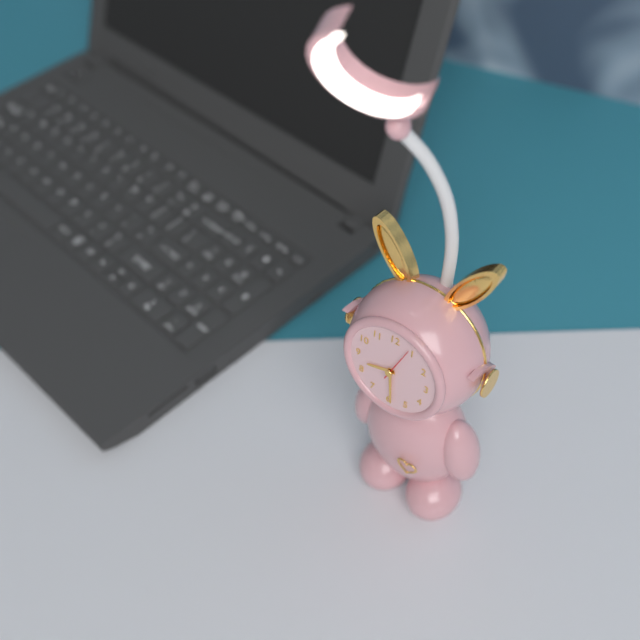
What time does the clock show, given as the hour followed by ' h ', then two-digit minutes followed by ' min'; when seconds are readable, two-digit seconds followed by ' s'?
8 h 29 min
